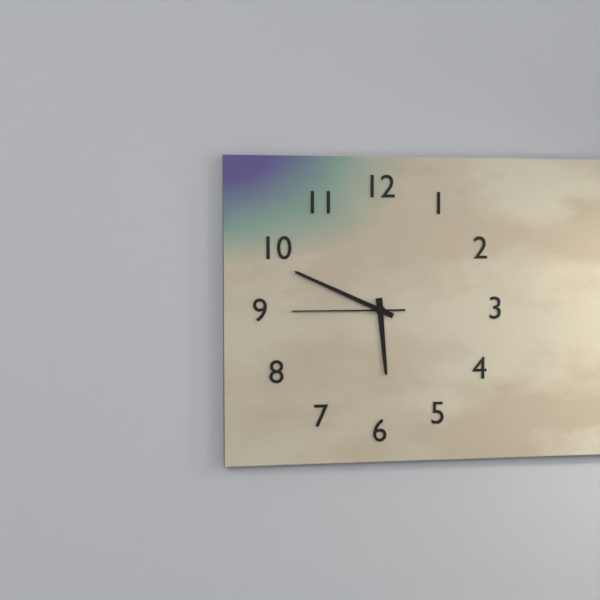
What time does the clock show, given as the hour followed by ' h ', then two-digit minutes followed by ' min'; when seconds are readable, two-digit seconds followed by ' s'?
5 h 49 min 45 s
